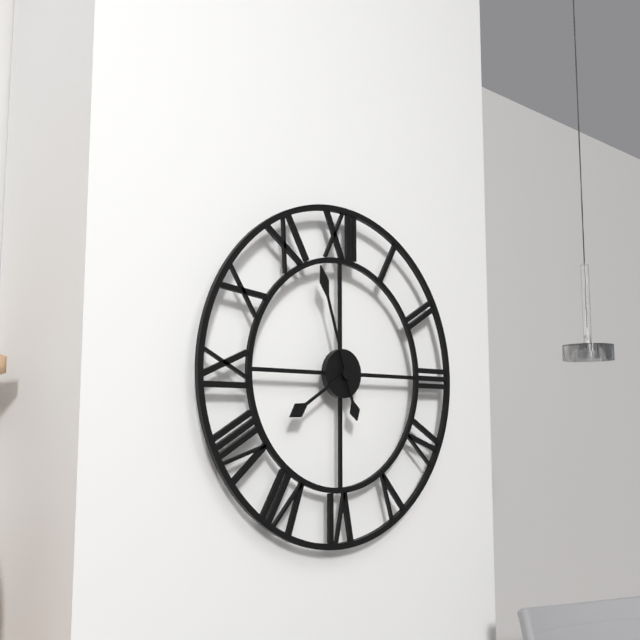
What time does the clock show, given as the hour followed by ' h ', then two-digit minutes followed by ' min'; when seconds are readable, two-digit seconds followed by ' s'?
7 h 57 min
